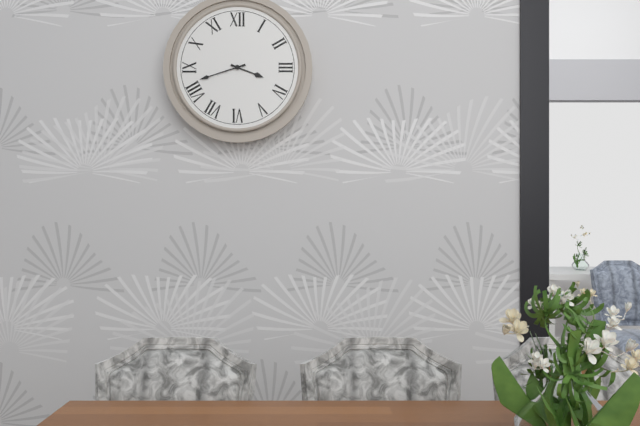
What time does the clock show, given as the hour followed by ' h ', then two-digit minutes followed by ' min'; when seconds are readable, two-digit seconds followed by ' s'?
3 h 42 min
